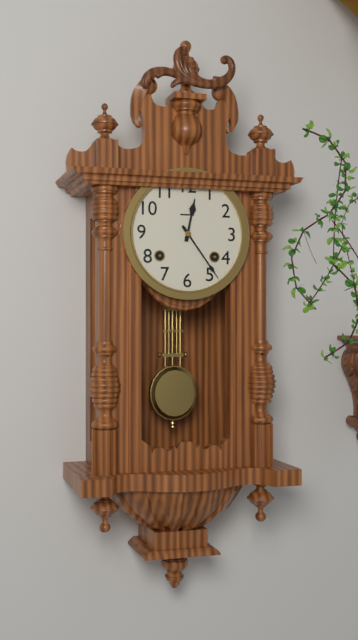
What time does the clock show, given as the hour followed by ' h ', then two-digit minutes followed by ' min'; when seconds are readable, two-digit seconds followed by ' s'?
12 h 24 min
